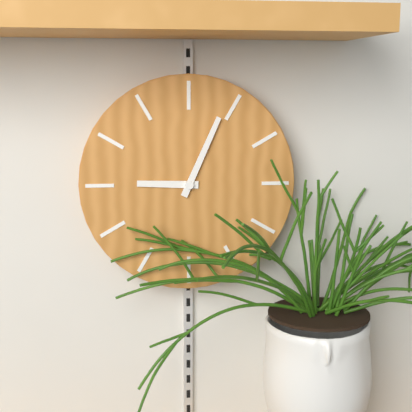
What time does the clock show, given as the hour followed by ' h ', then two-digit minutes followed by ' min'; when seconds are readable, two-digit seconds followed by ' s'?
9 h 04 min
